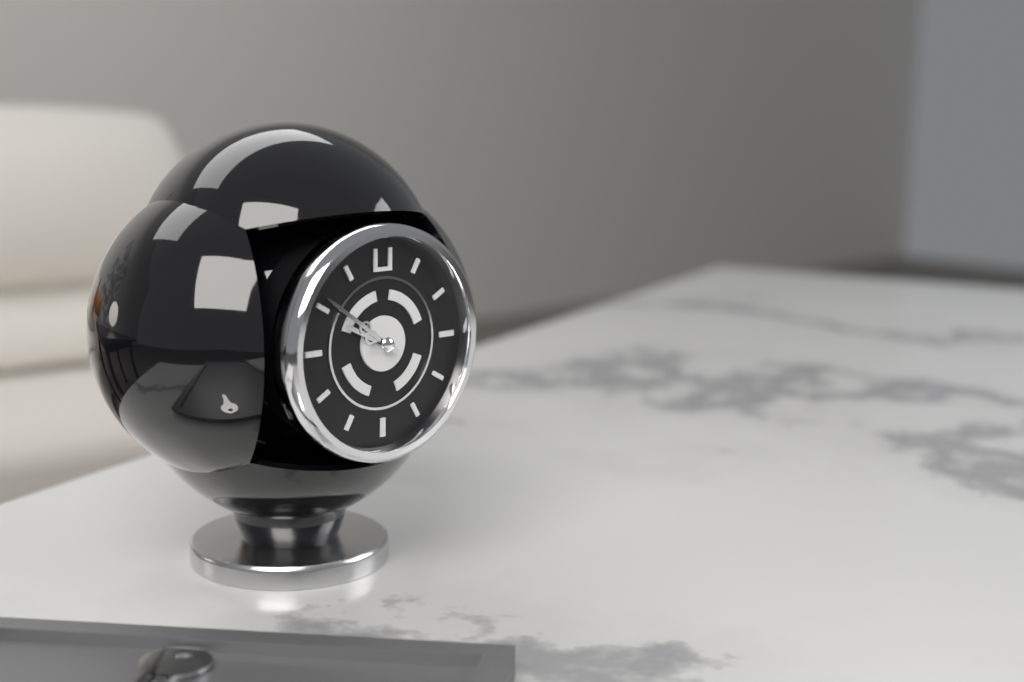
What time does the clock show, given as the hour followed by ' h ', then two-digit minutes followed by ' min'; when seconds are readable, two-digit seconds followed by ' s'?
9 h 51 min
